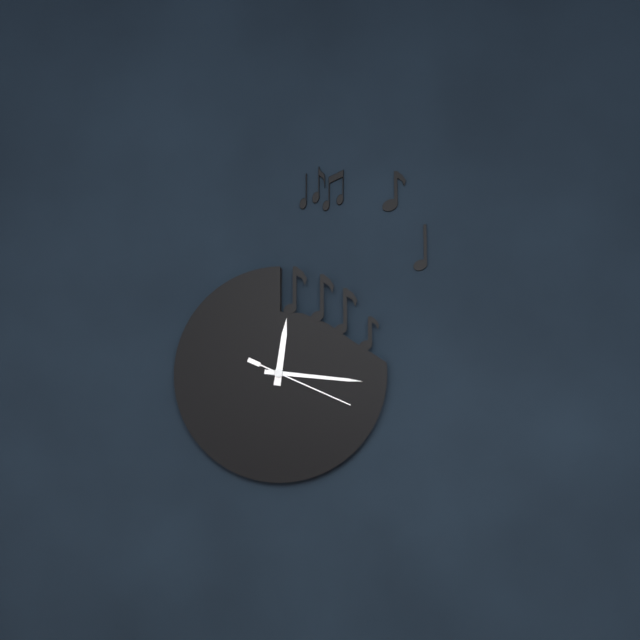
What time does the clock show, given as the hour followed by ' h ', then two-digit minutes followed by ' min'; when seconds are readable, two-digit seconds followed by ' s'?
12 h 16 min 19 s
